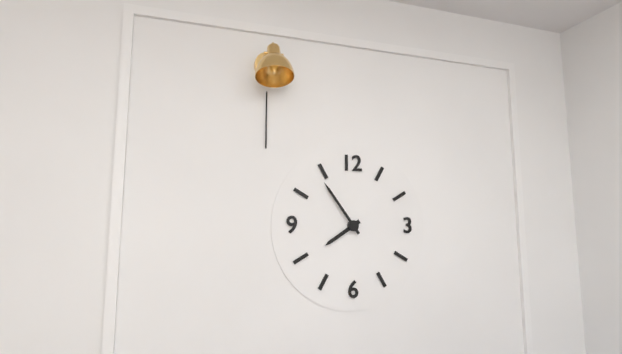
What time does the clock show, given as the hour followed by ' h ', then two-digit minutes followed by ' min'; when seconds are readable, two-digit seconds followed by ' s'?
7 h 54 min
